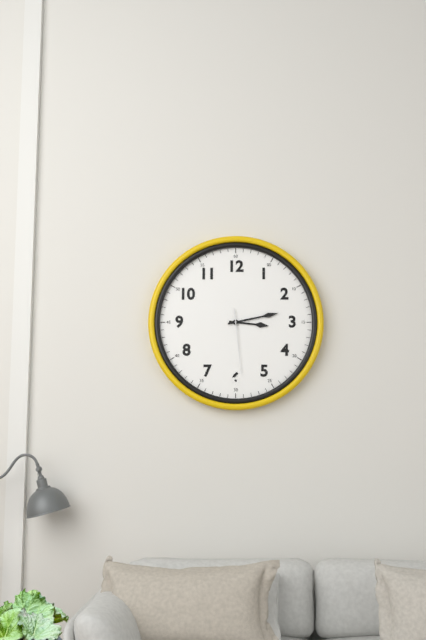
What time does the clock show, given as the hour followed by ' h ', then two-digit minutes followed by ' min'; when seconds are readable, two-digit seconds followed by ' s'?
3 h 13 min 29 s
